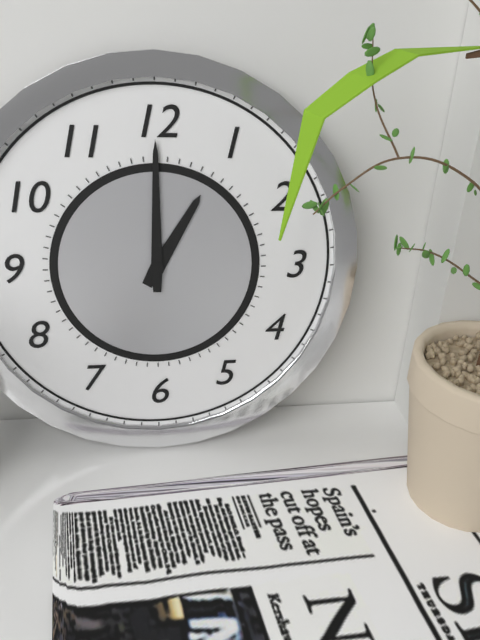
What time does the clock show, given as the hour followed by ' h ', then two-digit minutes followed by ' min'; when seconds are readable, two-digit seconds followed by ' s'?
1 h 00 min
